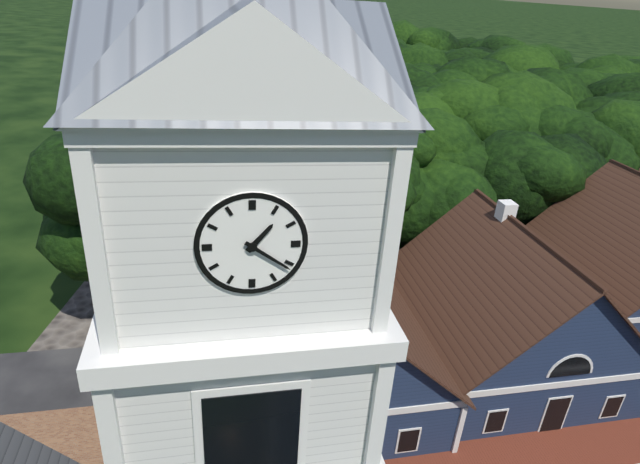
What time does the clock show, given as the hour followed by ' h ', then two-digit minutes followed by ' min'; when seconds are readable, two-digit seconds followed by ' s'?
1 h 21 min
